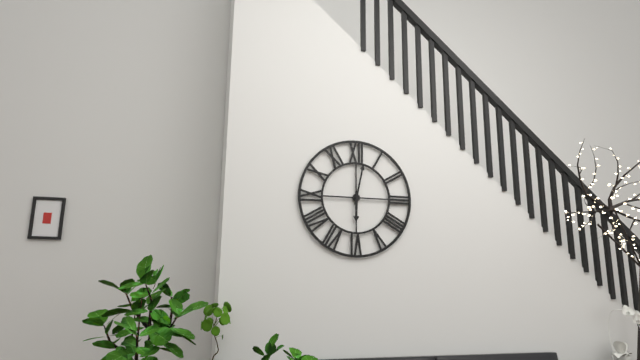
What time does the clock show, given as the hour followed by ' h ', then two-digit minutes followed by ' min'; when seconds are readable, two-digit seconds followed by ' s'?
6 h 02 min
